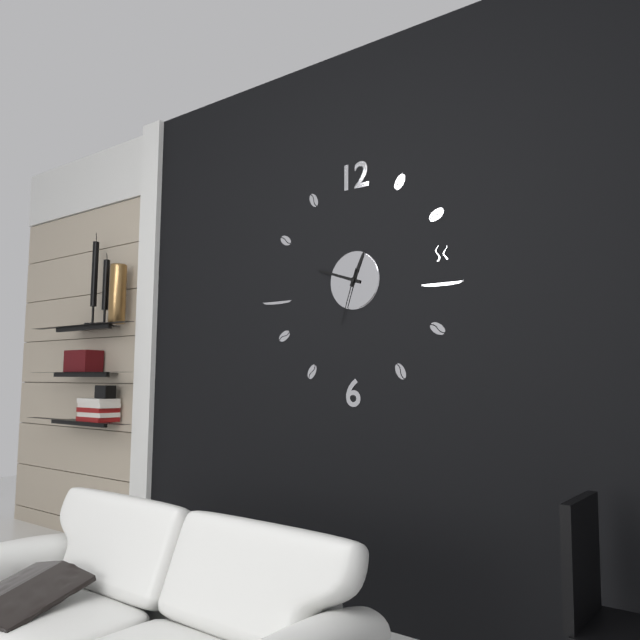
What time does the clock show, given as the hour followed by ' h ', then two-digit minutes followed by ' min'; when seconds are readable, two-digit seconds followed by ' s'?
12 h 48 min 33 s
